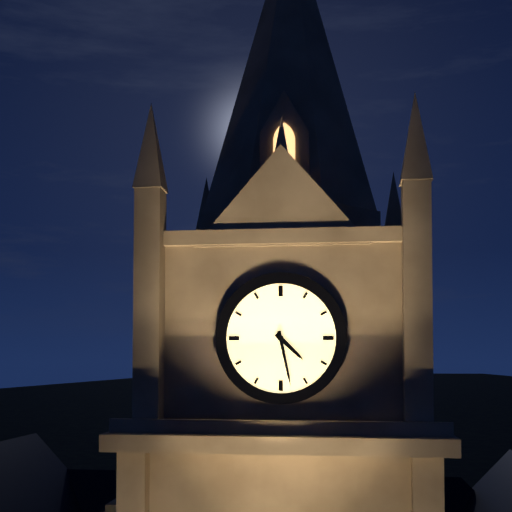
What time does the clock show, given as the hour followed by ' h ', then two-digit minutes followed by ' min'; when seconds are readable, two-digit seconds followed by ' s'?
4 h 28 min
